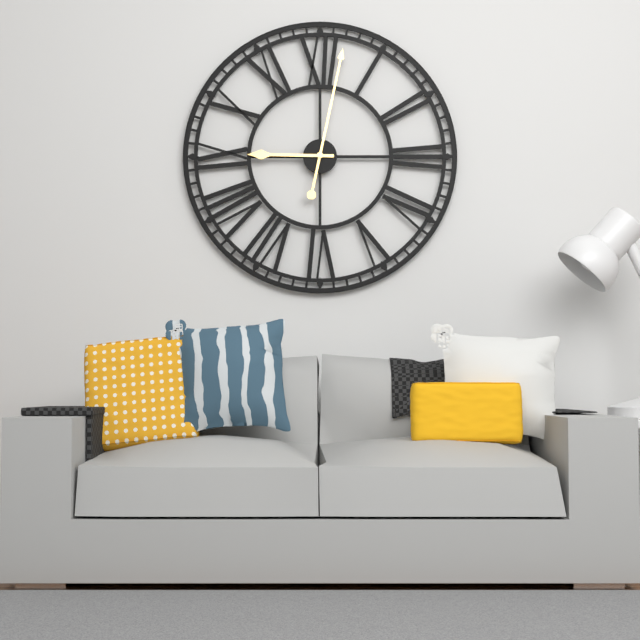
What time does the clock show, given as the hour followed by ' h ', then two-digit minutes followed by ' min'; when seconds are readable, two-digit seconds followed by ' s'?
9 h 02 min
